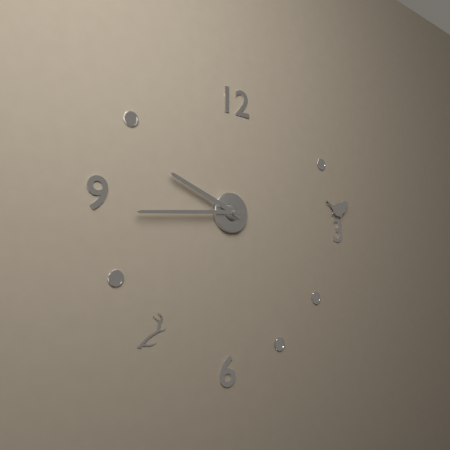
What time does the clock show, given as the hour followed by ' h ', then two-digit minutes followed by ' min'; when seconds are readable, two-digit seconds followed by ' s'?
9 h 44 min
